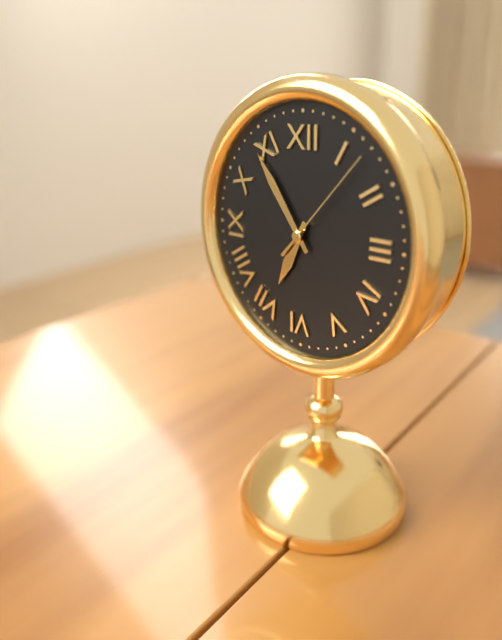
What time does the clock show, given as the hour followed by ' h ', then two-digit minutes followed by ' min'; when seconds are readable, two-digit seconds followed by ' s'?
6 h 54 min 07 s
